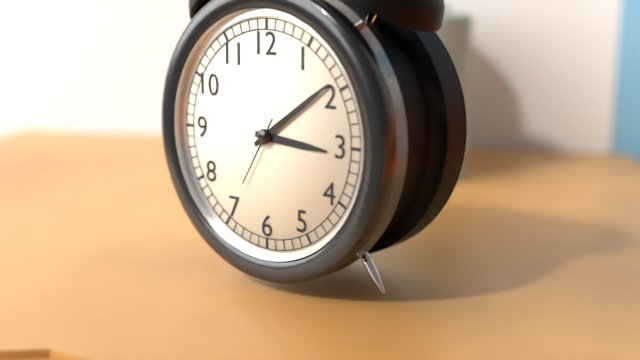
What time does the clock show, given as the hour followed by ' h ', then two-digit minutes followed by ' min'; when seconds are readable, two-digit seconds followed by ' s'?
3 h 09 min 35 s
